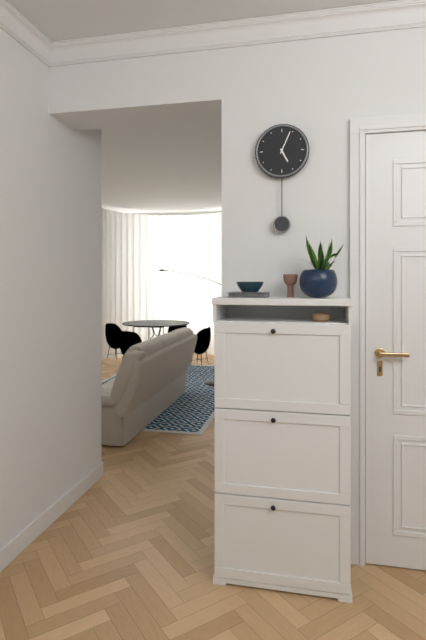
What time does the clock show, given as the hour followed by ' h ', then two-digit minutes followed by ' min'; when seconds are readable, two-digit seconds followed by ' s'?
5 h 04 min
